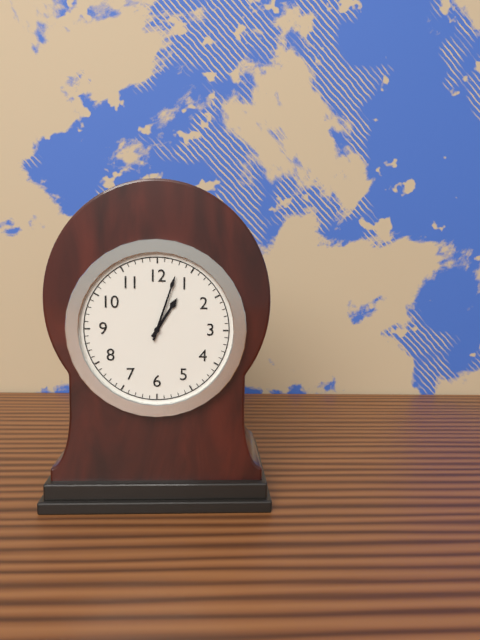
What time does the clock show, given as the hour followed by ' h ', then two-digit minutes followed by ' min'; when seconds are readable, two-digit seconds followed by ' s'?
1 h 03 min
